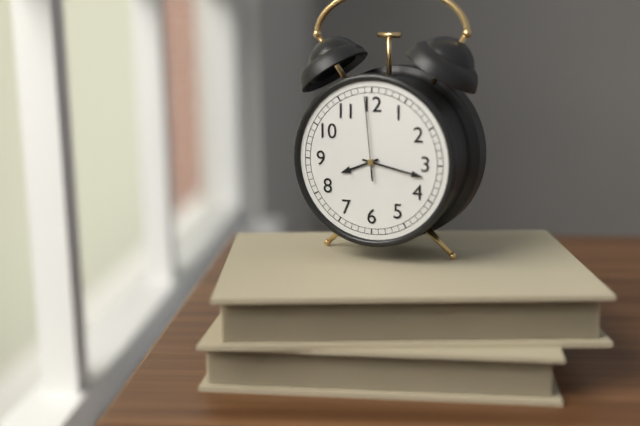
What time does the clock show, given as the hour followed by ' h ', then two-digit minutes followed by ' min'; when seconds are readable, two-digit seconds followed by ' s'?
8 h 17 min 59 s
